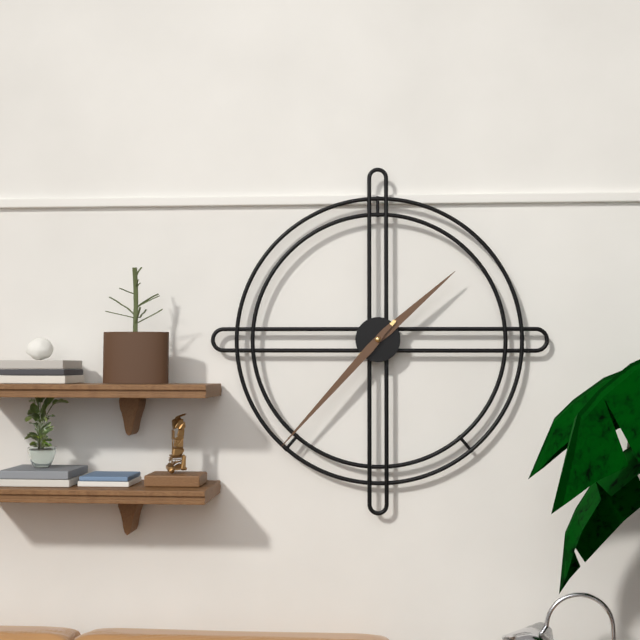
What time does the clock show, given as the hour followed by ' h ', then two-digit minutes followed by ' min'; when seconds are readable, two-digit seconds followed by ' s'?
1 h 37 min
